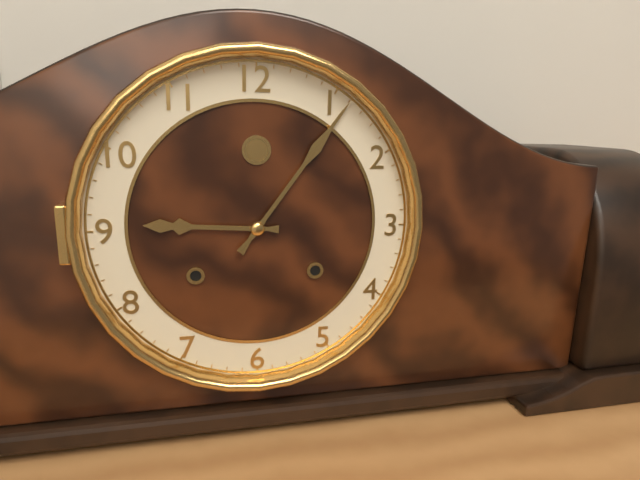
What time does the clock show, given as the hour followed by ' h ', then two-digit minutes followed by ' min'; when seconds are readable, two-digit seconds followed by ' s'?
9 h 06 min
